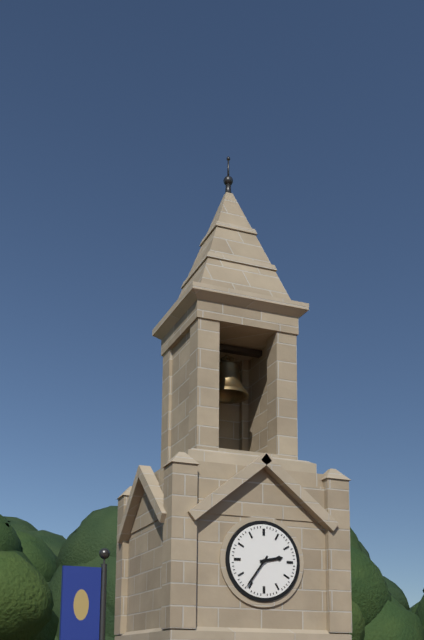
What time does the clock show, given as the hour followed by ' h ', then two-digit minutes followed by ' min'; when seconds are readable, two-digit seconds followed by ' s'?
2 h 36 min
